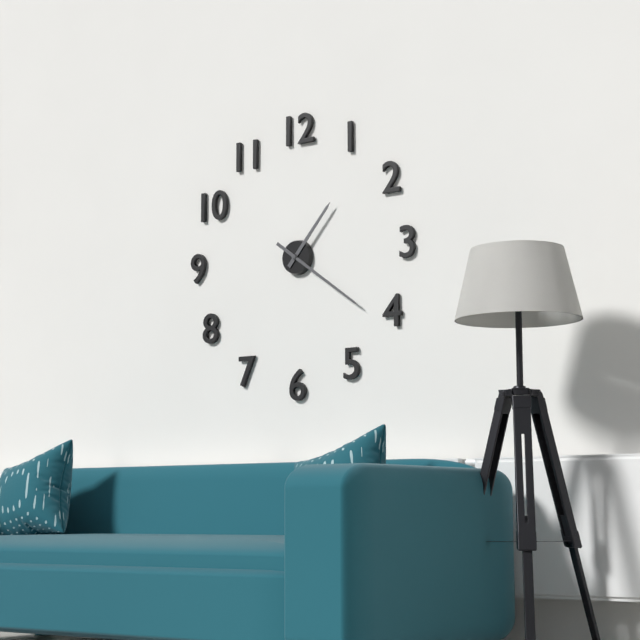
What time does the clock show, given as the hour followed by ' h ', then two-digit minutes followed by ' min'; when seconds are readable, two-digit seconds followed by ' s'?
1 h 21 min
